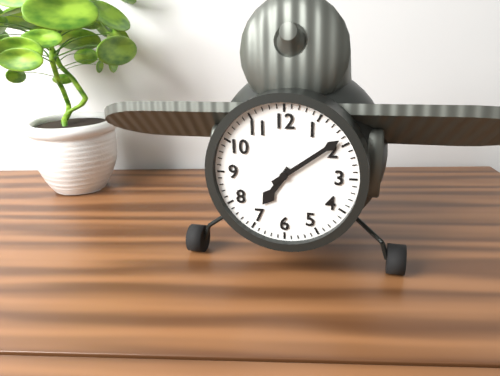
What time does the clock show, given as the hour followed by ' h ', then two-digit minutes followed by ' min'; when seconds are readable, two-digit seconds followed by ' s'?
7 h 09 min
